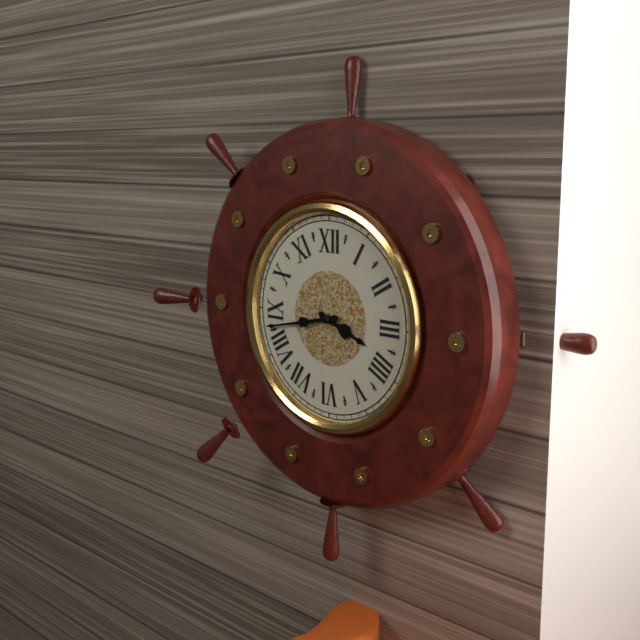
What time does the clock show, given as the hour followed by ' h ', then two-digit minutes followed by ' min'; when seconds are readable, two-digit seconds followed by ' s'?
3 h 43 min
